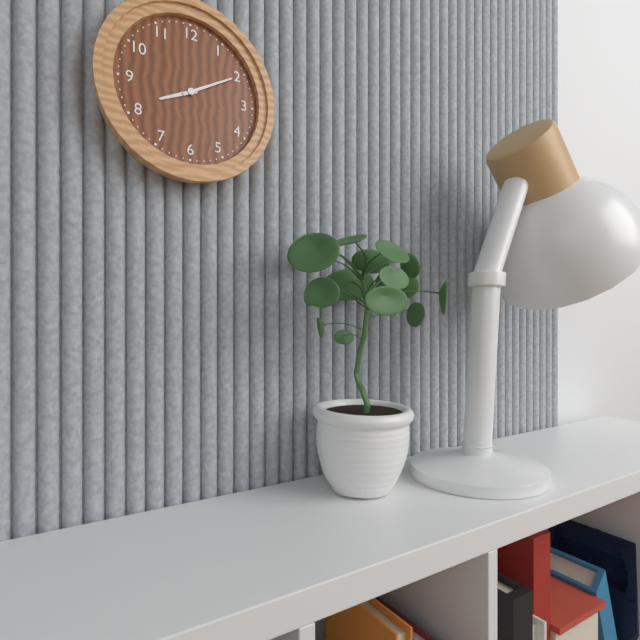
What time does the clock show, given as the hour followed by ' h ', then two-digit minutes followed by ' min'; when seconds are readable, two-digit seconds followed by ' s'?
8 h 10 min
